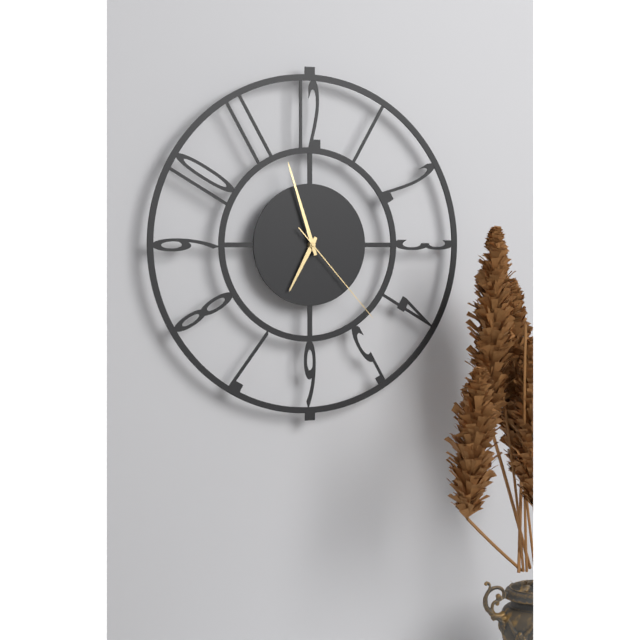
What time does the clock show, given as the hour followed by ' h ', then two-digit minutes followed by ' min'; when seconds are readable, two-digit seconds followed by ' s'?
6 h 57 min 23 s
